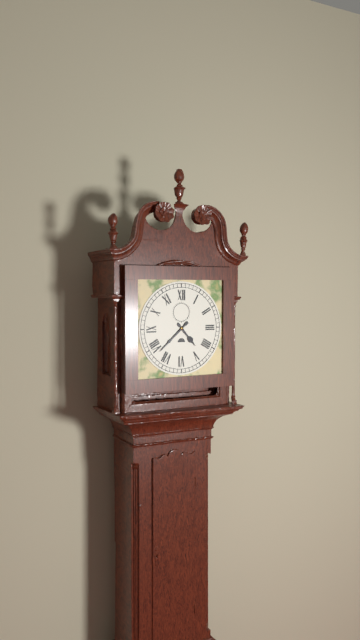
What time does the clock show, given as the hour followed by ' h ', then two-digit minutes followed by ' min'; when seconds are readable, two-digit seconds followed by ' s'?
4 h 38 min
